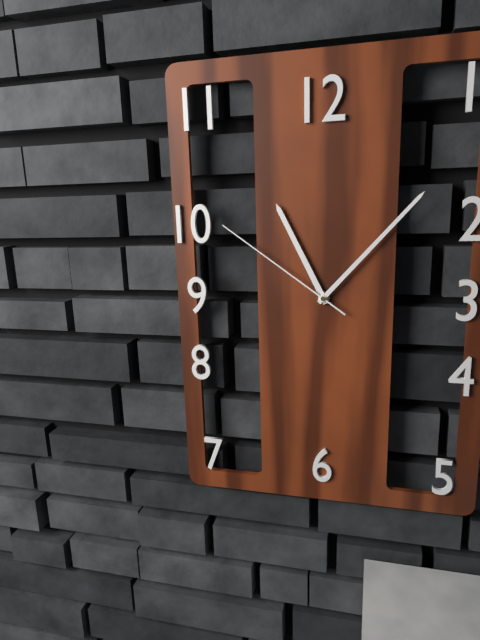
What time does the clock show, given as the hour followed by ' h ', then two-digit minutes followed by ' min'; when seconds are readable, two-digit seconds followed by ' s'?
11 h 07 min 51 s
